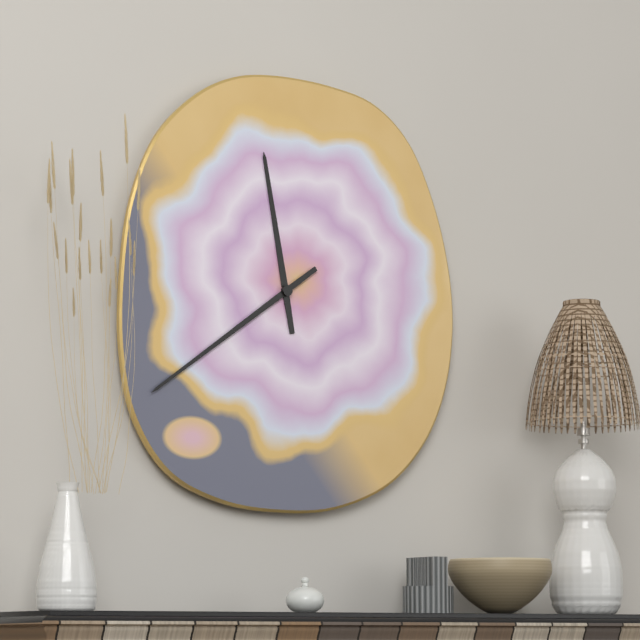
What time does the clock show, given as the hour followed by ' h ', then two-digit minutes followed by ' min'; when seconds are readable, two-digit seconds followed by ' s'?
11 h 39 min
